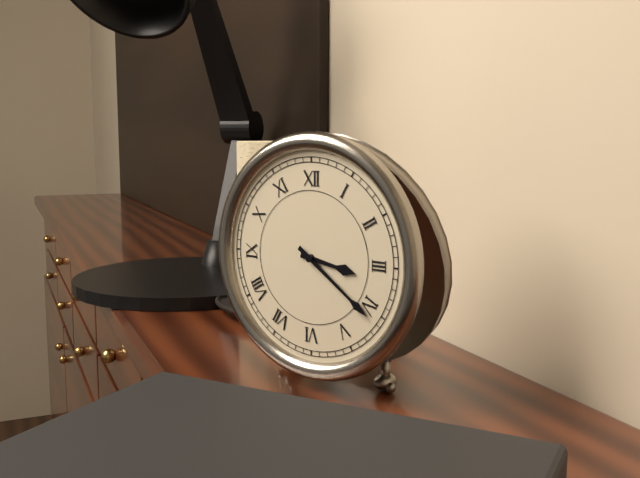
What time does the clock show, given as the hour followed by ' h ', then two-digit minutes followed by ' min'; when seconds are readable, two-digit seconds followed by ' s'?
3 h 21 min
